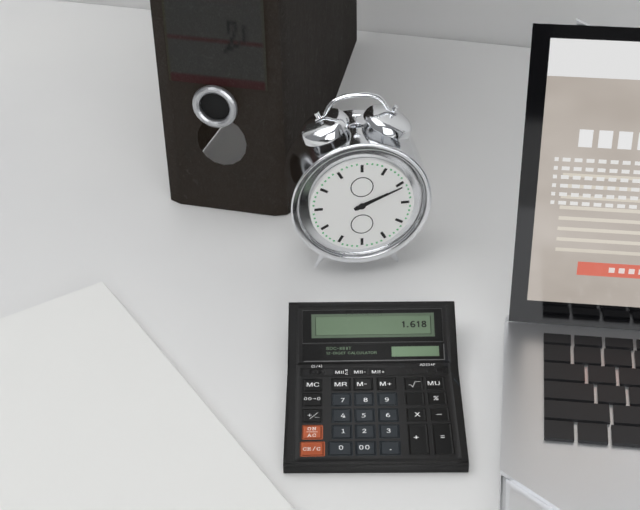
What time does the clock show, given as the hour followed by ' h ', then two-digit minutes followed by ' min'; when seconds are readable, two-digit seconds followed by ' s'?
2 h 11 min
